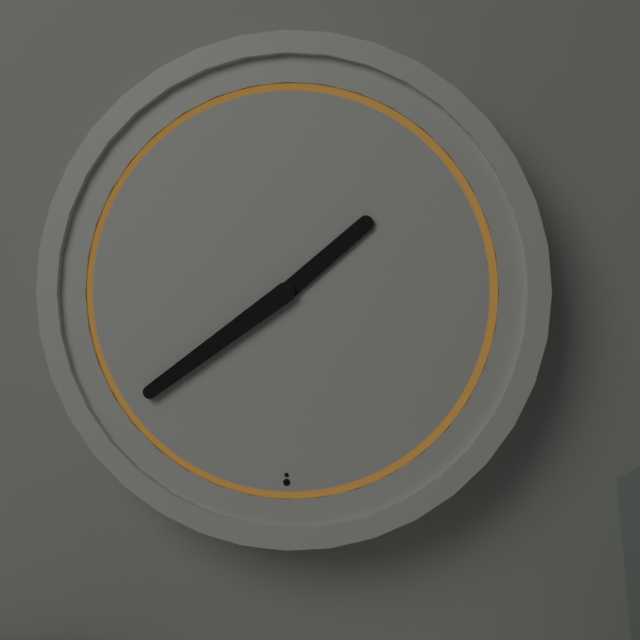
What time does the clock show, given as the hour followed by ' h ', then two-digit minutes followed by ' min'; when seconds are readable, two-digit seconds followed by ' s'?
1 h 39 min
